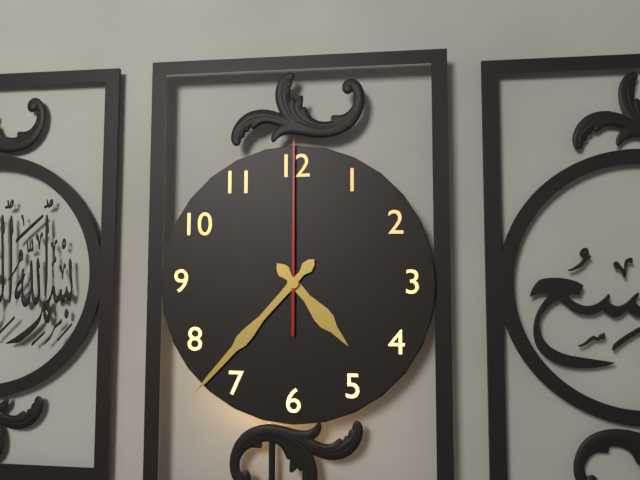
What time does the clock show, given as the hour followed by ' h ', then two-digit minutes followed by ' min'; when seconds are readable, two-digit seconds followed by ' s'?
4 h 37 min 00 s
